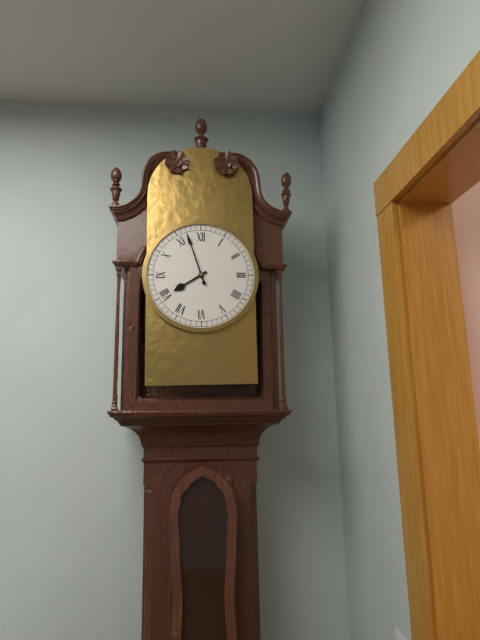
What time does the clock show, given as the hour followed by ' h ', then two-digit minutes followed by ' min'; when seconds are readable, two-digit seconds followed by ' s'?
7 h 57 min
